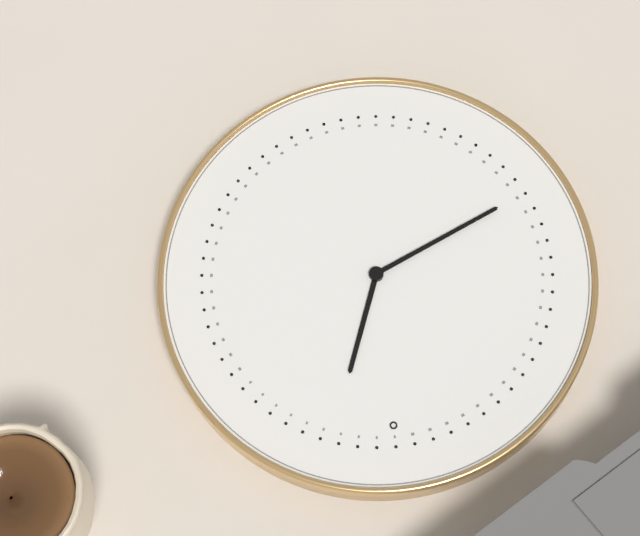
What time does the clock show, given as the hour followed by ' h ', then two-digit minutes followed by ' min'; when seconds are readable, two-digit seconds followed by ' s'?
12 h 41 min
